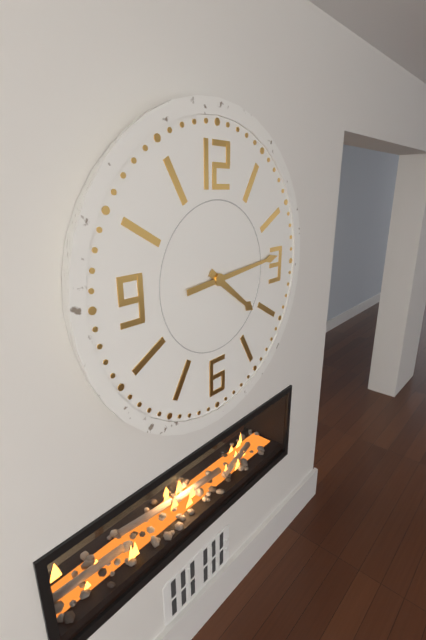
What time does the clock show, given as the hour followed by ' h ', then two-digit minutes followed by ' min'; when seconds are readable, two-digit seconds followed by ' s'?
4 h 14 min
